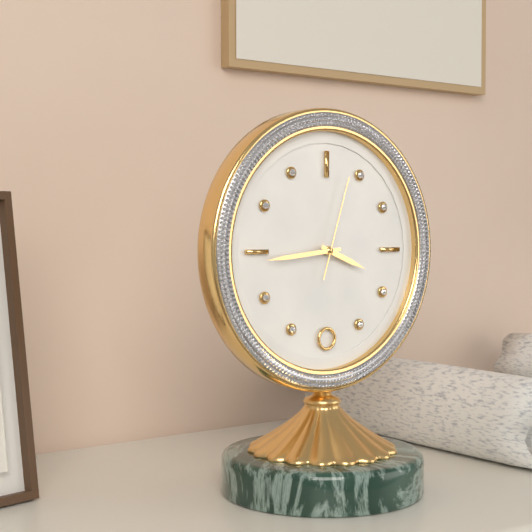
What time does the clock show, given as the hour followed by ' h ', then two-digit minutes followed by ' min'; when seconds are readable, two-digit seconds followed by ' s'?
3 h 44 min 03 s
